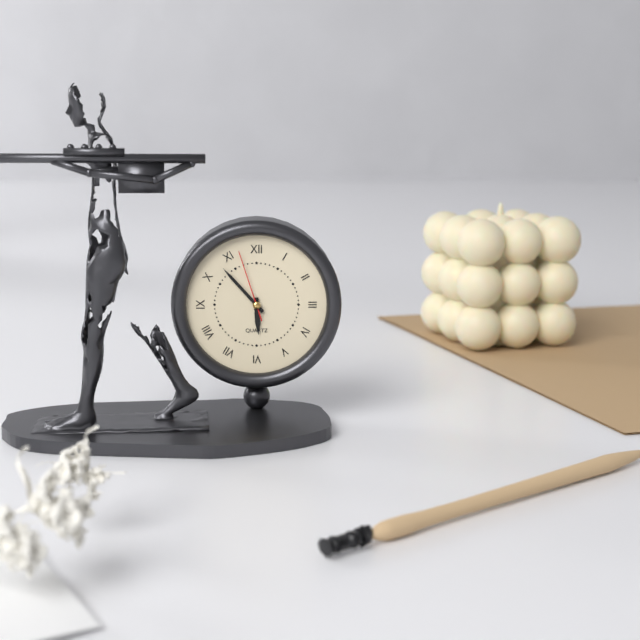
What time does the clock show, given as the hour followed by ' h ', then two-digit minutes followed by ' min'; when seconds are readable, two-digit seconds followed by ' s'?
5 h 53 min 57 s
